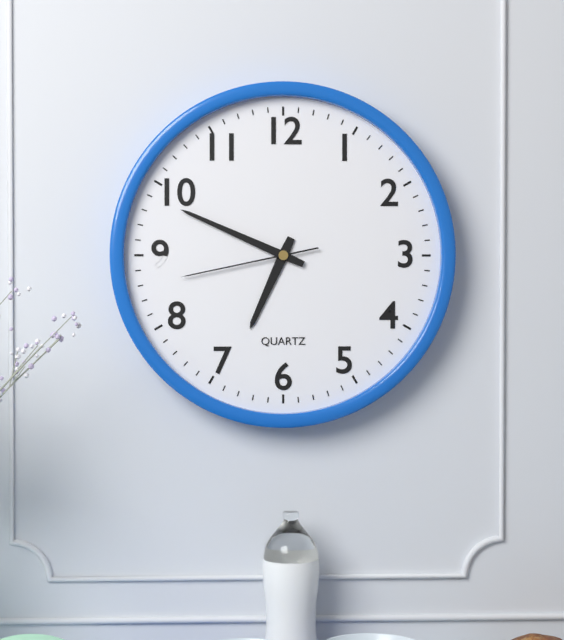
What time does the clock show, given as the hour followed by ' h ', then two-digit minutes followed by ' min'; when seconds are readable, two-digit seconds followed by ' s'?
6 h 49 min 43 s
